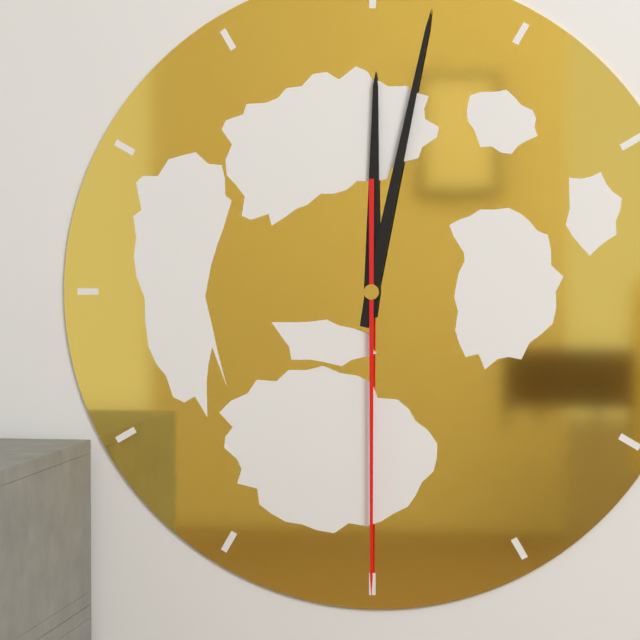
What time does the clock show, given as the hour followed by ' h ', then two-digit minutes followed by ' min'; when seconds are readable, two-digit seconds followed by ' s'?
12 h 02 min 30 s
